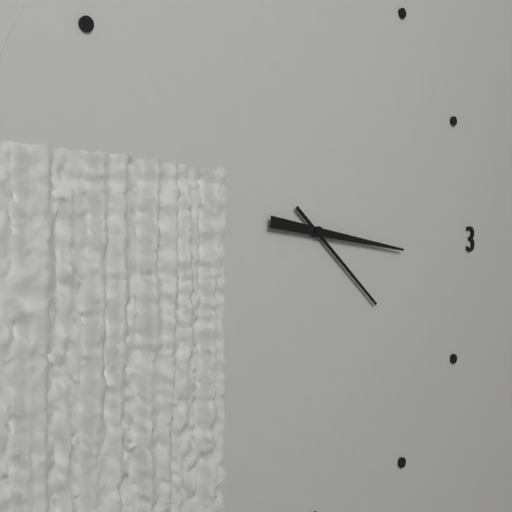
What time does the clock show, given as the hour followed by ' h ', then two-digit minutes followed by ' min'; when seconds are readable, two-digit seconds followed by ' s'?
4 h 16 min
